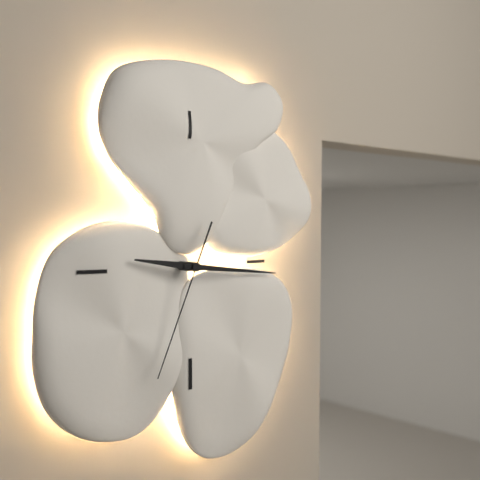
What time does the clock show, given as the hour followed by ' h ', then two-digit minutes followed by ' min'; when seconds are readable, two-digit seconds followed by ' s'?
9 h 16 min 34 s
